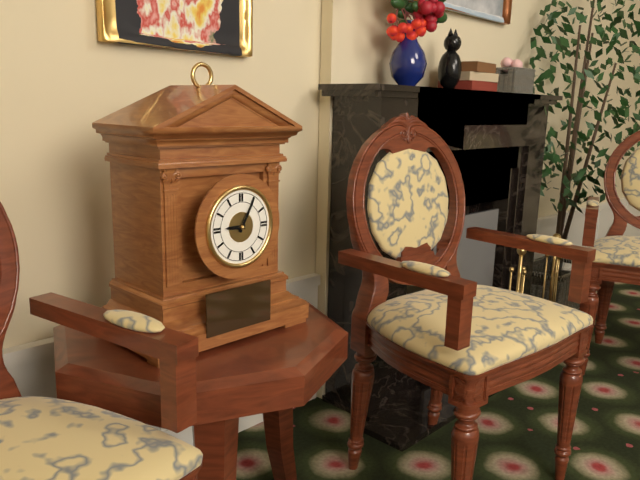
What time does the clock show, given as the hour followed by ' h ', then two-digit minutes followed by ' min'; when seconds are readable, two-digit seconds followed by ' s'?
9 h 05 min
